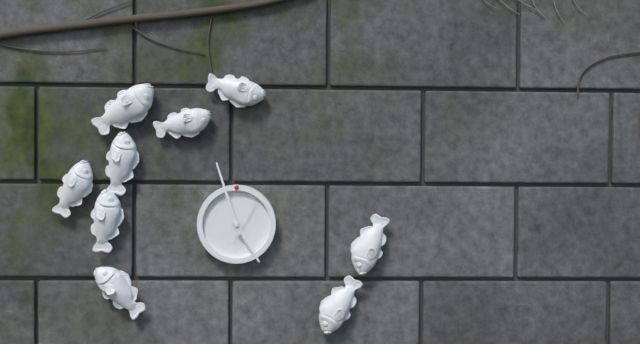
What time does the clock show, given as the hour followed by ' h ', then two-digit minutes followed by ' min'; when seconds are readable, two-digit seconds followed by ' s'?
4 h 57 min
